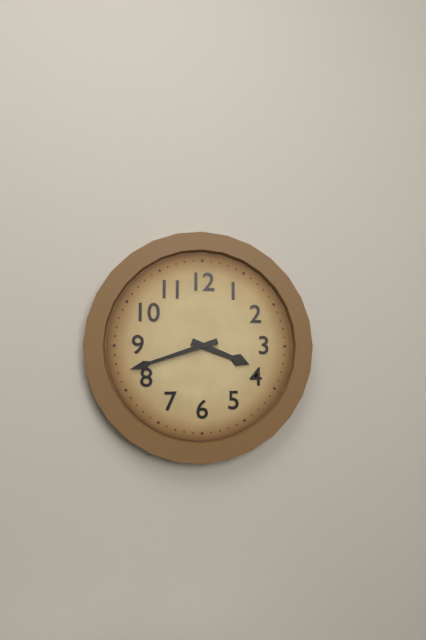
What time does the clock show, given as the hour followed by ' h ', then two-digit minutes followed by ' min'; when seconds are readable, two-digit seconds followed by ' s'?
3 h 42 min
